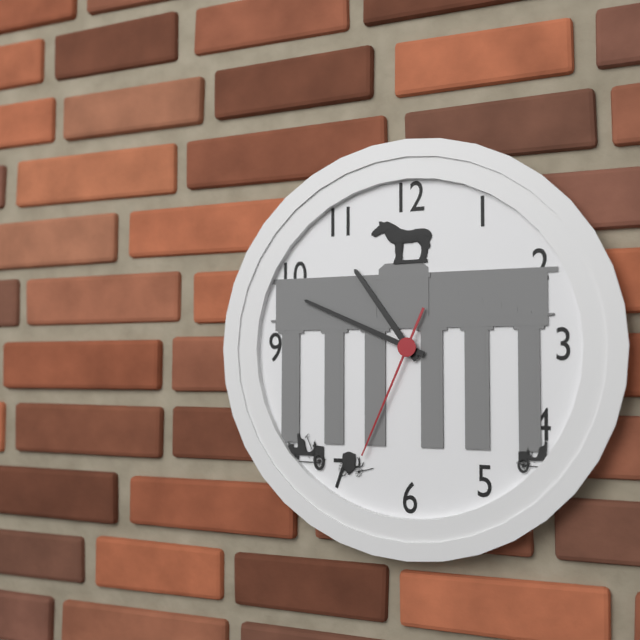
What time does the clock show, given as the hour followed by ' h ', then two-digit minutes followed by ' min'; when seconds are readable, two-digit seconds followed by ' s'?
10 h 49 min 34 s
